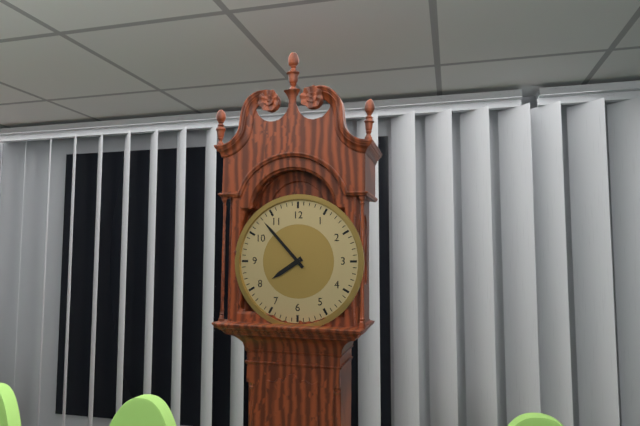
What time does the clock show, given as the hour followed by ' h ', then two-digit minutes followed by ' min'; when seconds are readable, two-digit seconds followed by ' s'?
7 h 53 min
